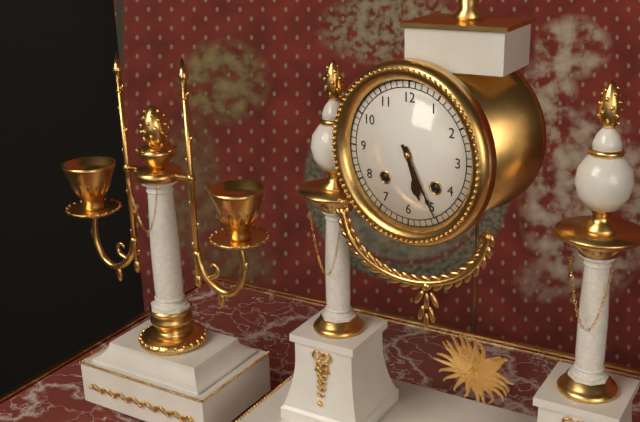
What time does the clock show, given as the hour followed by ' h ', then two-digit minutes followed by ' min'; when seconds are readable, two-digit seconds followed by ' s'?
5 h 25 min
